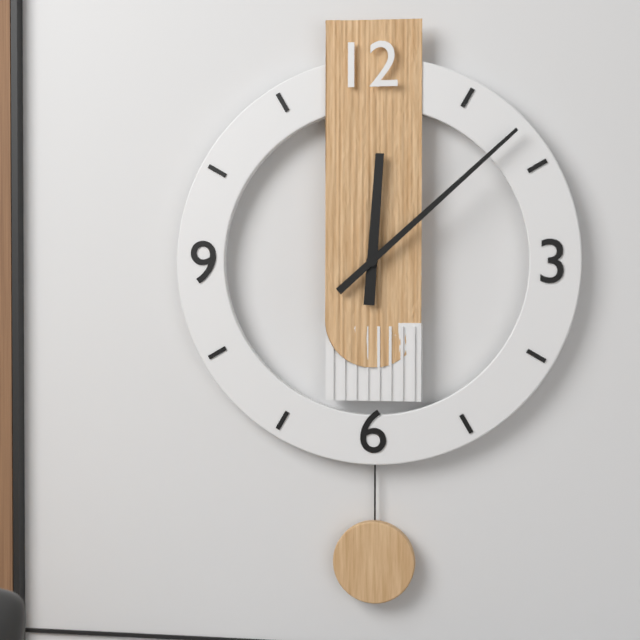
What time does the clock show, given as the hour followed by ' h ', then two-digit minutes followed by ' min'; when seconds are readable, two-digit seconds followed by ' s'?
12 h 08 min
